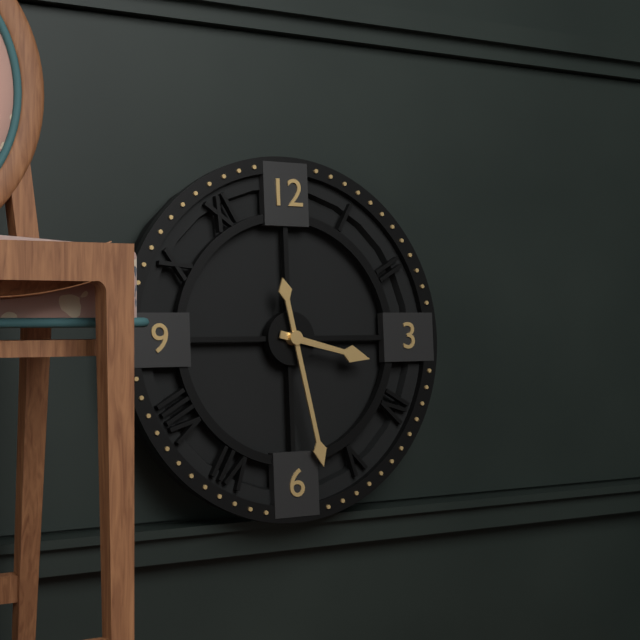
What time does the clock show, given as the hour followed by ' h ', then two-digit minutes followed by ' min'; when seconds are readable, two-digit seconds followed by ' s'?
3 h 28 min
